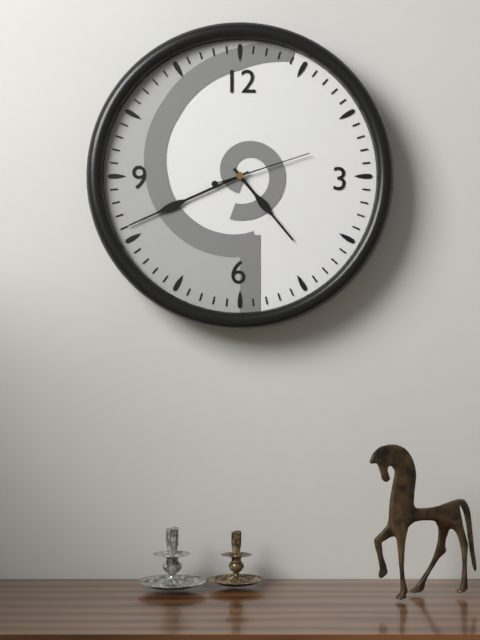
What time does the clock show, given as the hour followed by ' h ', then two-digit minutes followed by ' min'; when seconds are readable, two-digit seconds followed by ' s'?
4 h 41 min 12 s
